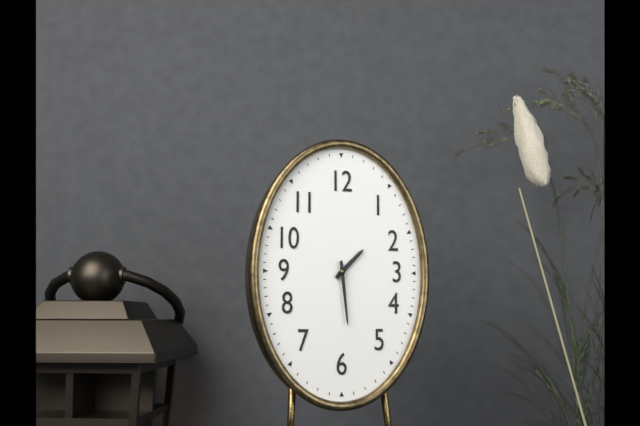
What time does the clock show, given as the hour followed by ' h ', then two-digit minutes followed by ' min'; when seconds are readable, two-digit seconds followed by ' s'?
1 h 29 min
